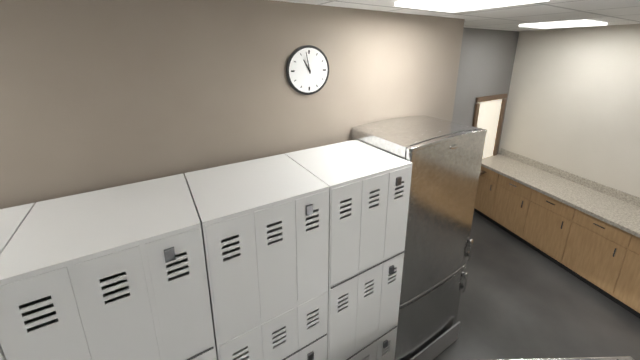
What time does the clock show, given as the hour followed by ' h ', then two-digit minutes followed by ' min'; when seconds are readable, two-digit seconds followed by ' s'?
10 h 58 min
